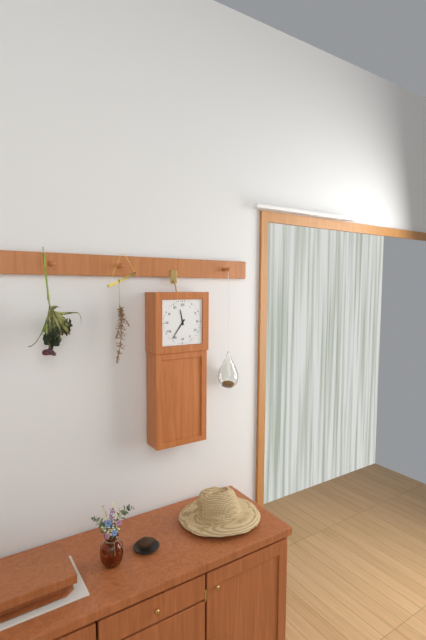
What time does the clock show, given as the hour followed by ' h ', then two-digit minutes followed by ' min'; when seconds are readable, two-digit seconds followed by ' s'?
11 h 36 min
